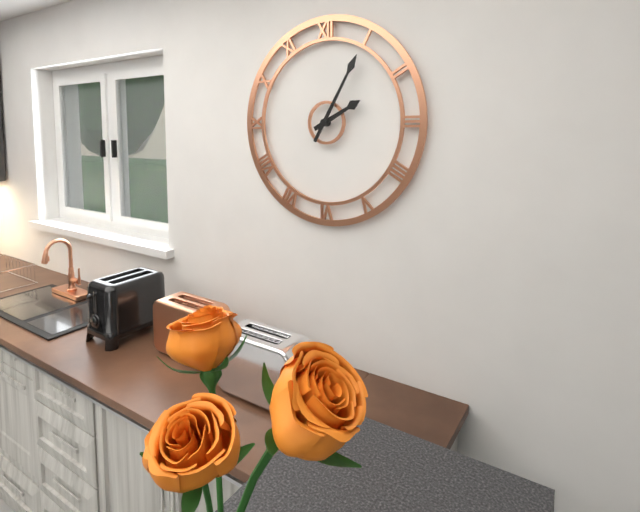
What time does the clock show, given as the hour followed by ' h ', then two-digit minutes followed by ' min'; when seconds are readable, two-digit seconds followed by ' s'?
2 h 05 min
